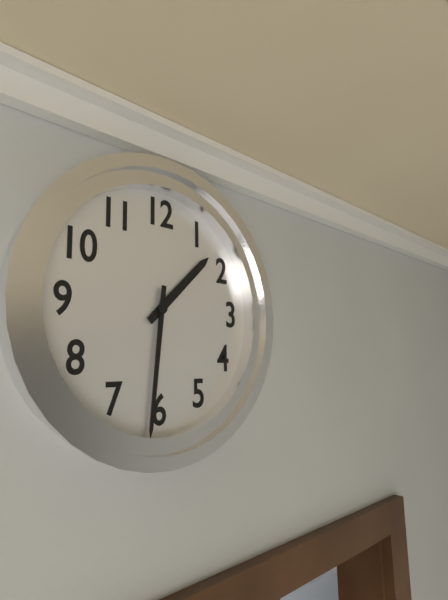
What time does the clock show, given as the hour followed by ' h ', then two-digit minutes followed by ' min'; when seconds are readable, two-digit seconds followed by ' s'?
1 h 31 min
